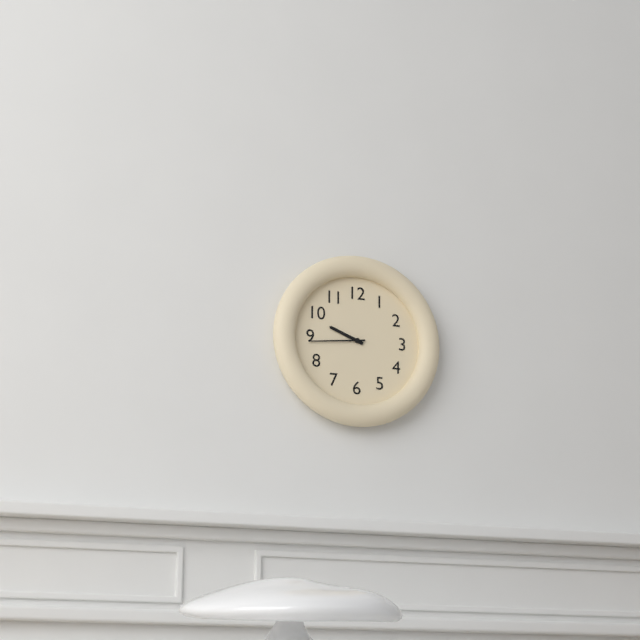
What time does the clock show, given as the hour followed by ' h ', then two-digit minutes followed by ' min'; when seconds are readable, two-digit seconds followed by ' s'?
9 h 44 min
